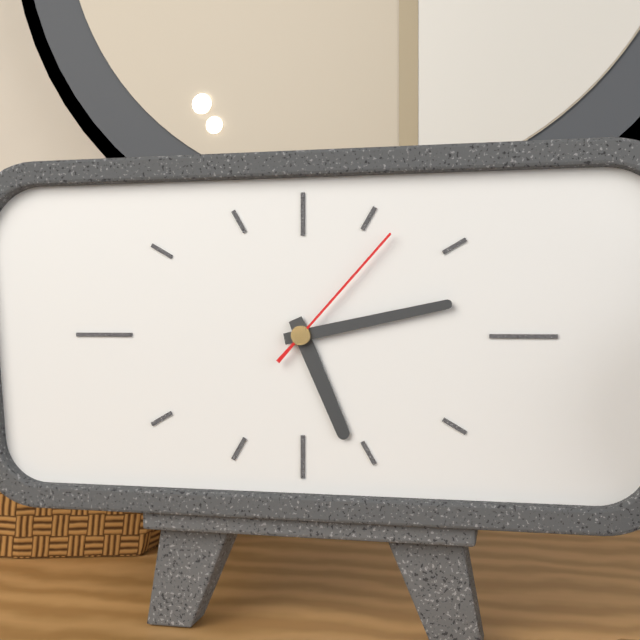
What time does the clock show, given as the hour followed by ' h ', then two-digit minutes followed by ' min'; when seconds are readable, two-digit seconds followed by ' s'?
5 h 13 min 07 s
